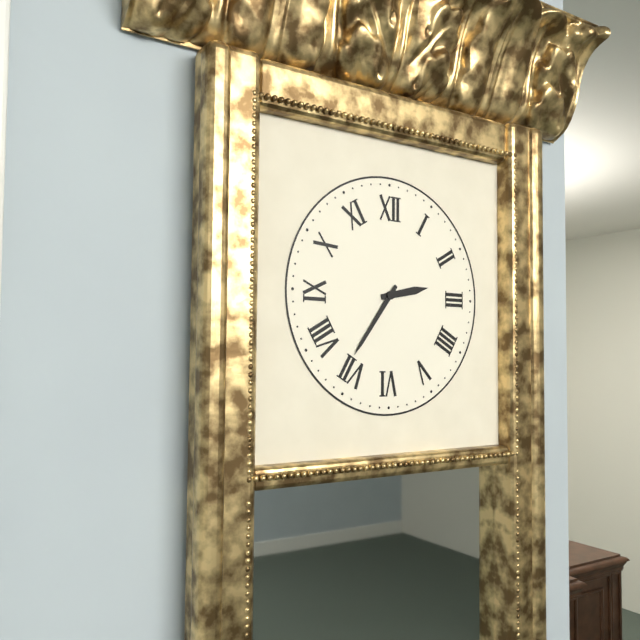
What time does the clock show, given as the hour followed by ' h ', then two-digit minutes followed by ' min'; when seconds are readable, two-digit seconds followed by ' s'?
2 h 36 min
